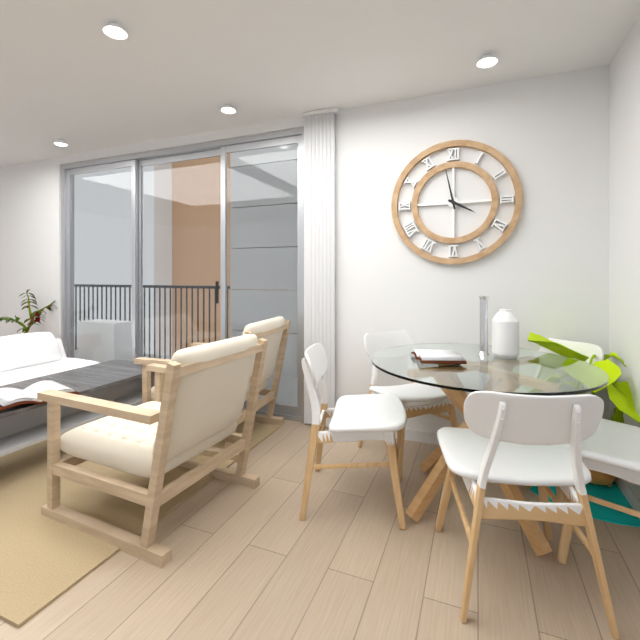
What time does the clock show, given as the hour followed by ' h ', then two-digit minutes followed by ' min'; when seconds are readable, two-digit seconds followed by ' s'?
3 h 58 min
